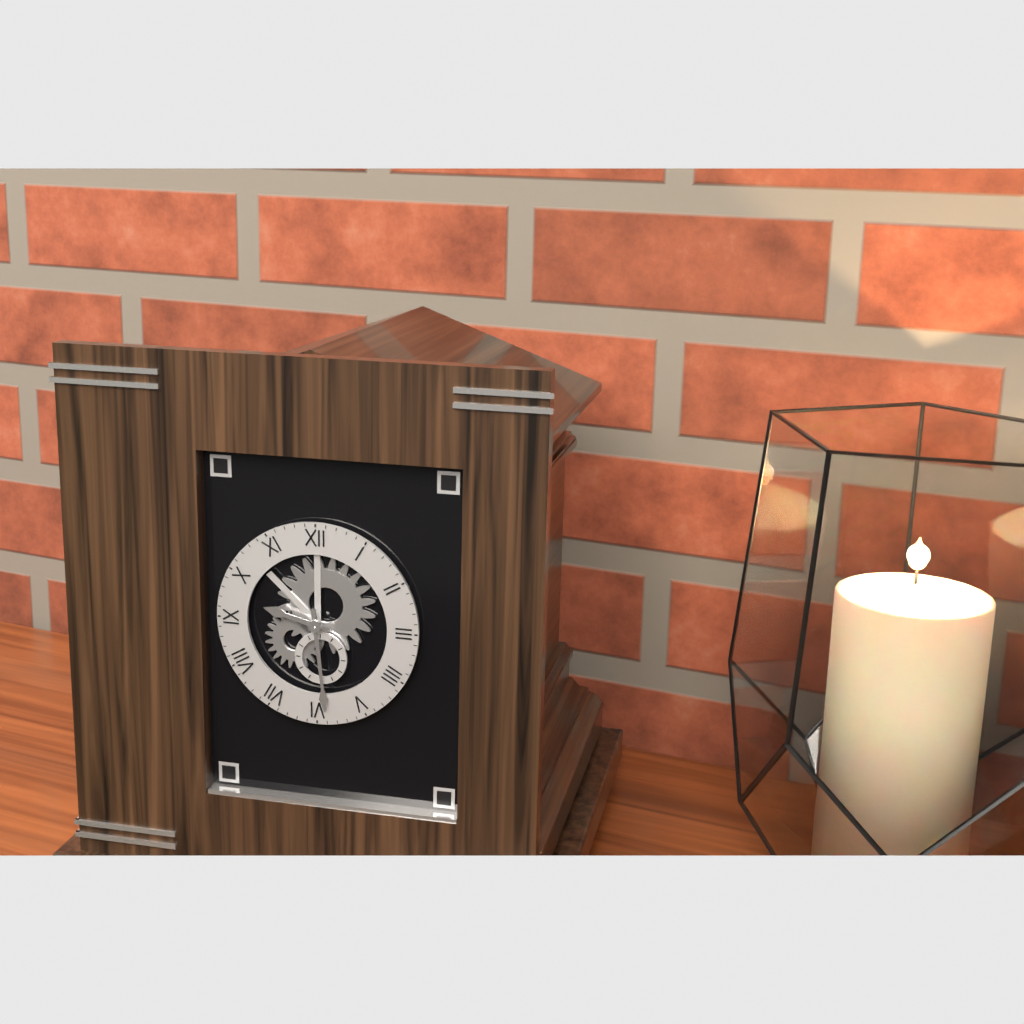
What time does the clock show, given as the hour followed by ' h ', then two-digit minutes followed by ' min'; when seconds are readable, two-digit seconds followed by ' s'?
9 h 29 min
